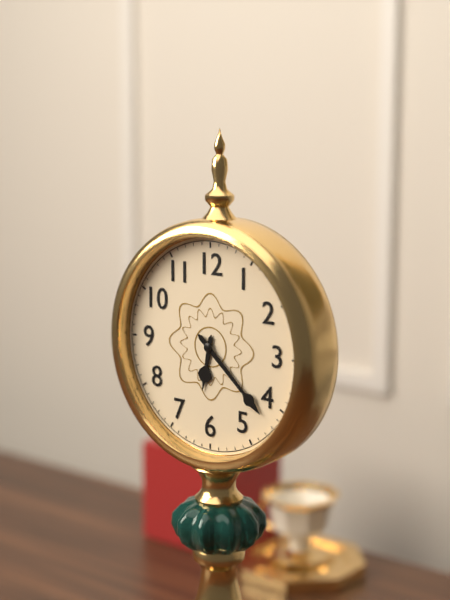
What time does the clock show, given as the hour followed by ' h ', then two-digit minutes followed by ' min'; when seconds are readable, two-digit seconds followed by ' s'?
6 h 22 min
